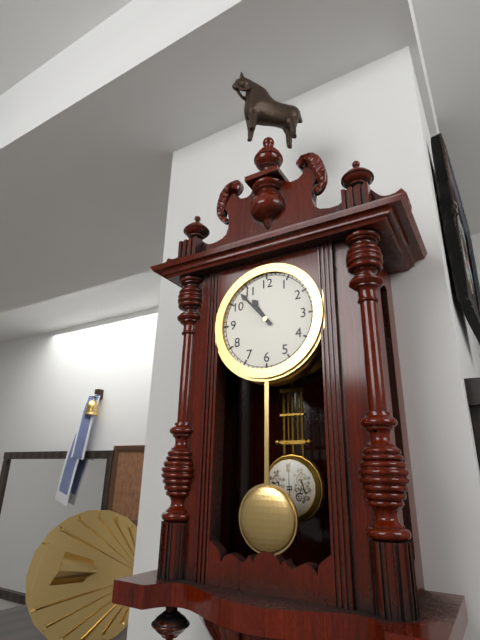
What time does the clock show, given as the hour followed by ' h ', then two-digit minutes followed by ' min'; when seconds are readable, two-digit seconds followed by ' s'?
10 h 53 min
